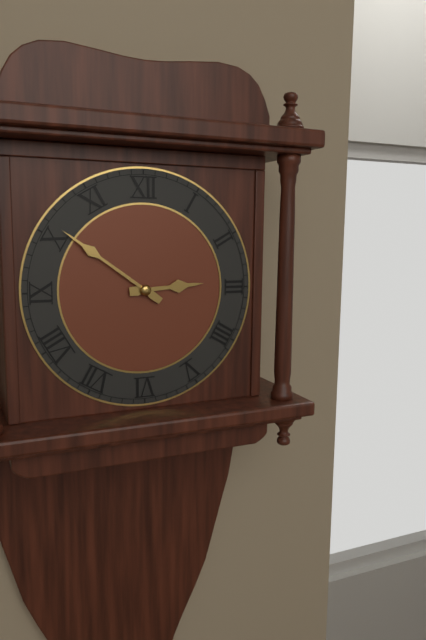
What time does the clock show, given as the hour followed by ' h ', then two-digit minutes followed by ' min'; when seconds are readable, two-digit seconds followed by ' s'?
2 h 51 min
